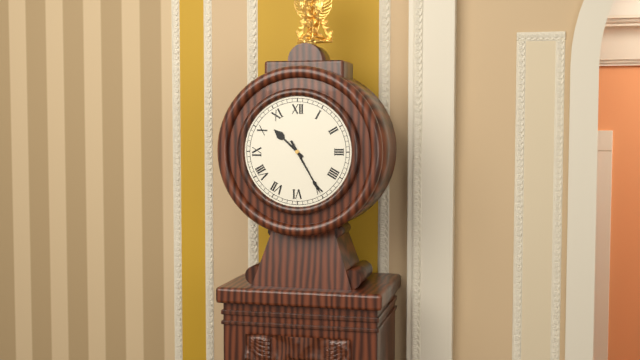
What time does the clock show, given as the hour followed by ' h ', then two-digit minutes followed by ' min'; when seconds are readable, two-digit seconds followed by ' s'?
10 h 25 min
